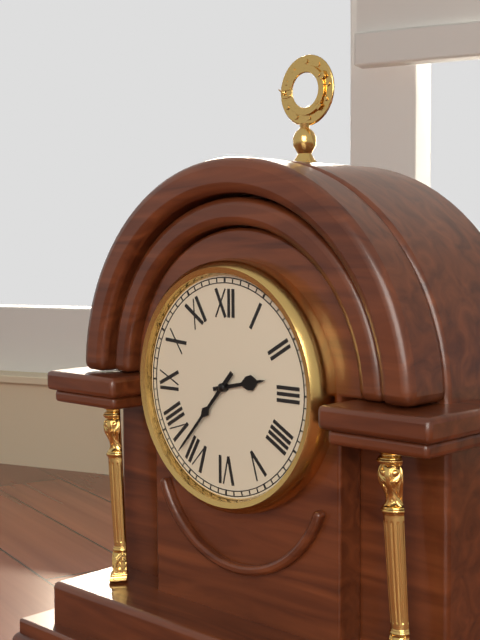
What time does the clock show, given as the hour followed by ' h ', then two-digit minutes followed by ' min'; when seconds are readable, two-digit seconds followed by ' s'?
2 h 37 min
